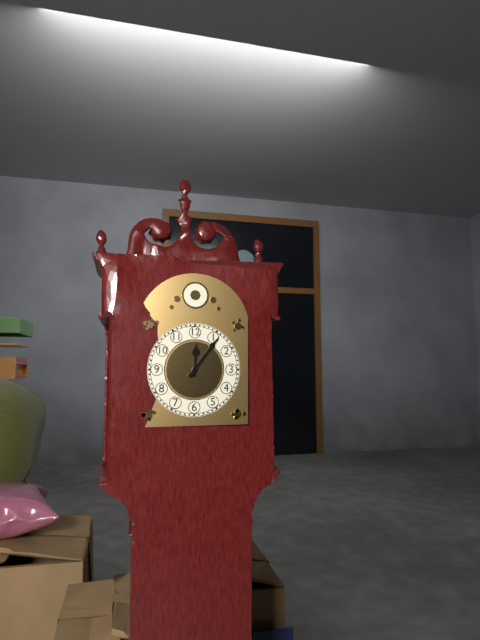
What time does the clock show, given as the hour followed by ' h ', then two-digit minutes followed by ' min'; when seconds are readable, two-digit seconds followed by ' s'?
12 h 06 min
